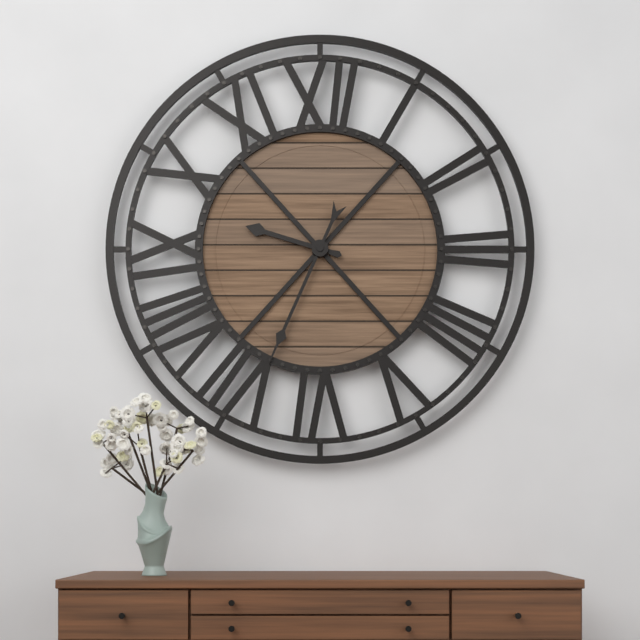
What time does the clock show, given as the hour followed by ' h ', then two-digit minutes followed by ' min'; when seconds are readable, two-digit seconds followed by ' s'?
9 h 34 min
